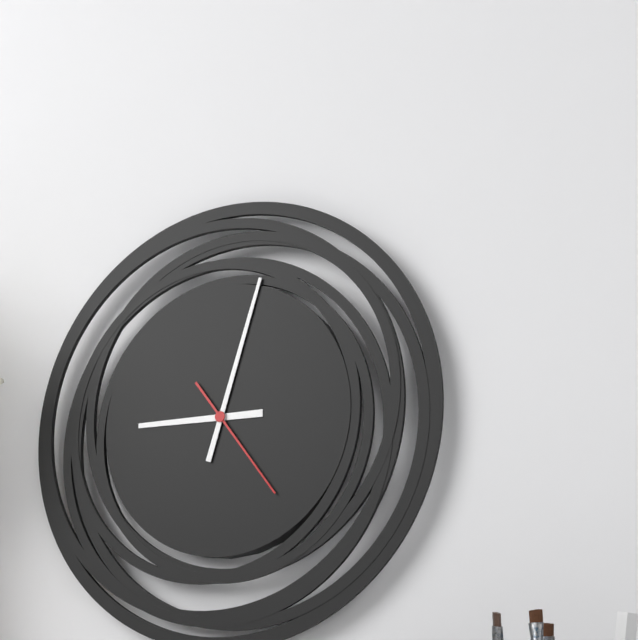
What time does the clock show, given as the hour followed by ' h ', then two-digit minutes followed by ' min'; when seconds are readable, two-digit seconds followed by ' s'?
9 h 03 min 24 s
